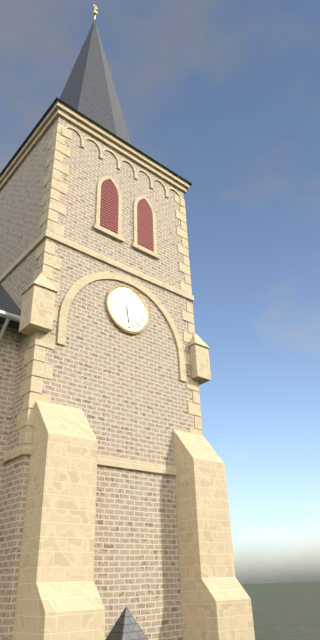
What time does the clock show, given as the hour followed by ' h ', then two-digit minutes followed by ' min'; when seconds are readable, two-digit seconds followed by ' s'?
11 h 29 min
